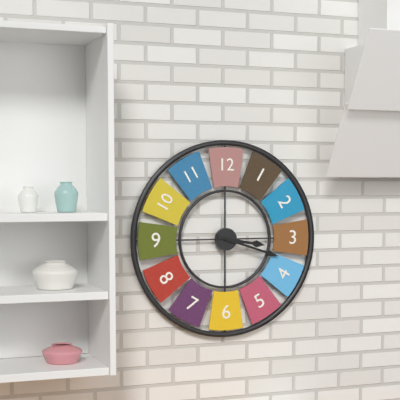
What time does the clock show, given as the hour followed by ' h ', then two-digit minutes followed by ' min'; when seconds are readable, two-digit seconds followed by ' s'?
3 h 18 min
